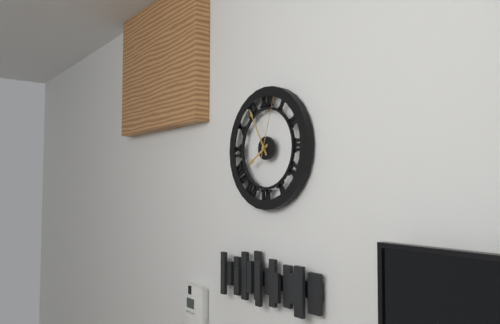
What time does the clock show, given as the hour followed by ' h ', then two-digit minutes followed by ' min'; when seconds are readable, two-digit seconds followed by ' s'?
7 h 55 min 03 s
